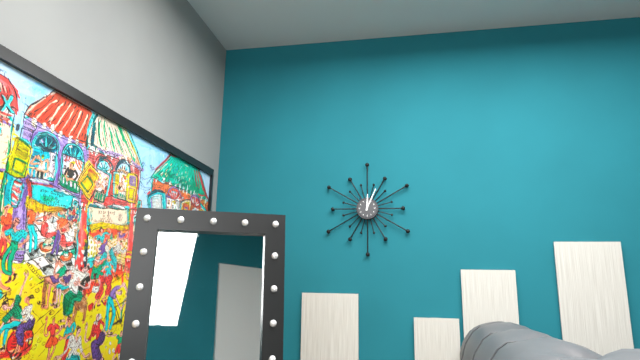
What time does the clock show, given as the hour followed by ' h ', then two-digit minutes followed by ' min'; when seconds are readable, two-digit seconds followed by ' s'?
12 h 04 min
